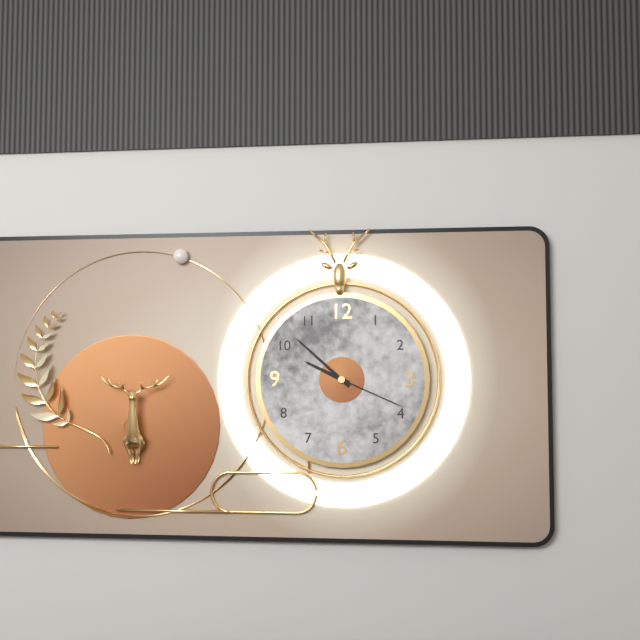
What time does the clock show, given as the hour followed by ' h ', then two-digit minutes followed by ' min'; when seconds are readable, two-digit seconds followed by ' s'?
9 h 52 min 19 s
